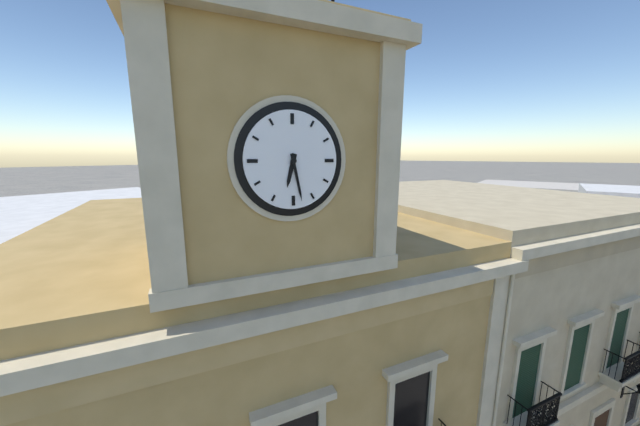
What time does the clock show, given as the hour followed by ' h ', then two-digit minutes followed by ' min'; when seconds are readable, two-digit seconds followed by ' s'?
6 h 28 min
